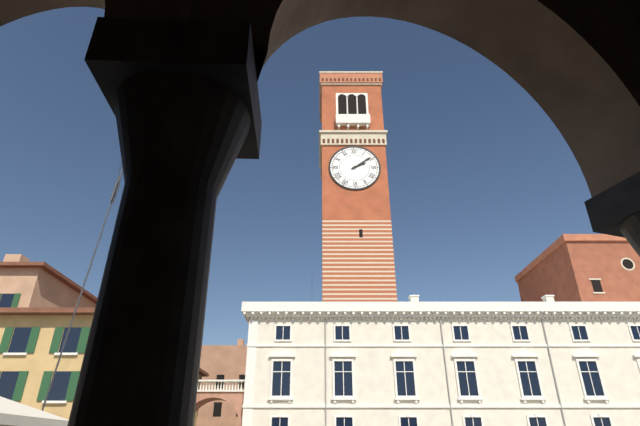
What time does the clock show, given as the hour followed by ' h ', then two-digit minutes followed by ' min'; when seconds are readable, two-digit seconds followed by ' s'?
2 h 09 min
